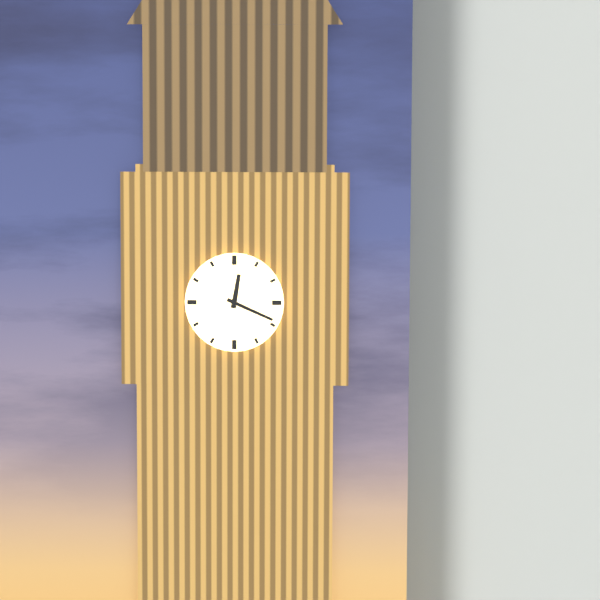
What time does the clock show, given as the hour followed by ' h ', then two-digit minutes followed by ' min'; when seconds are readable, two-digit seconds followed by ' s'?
12 h 19 min
